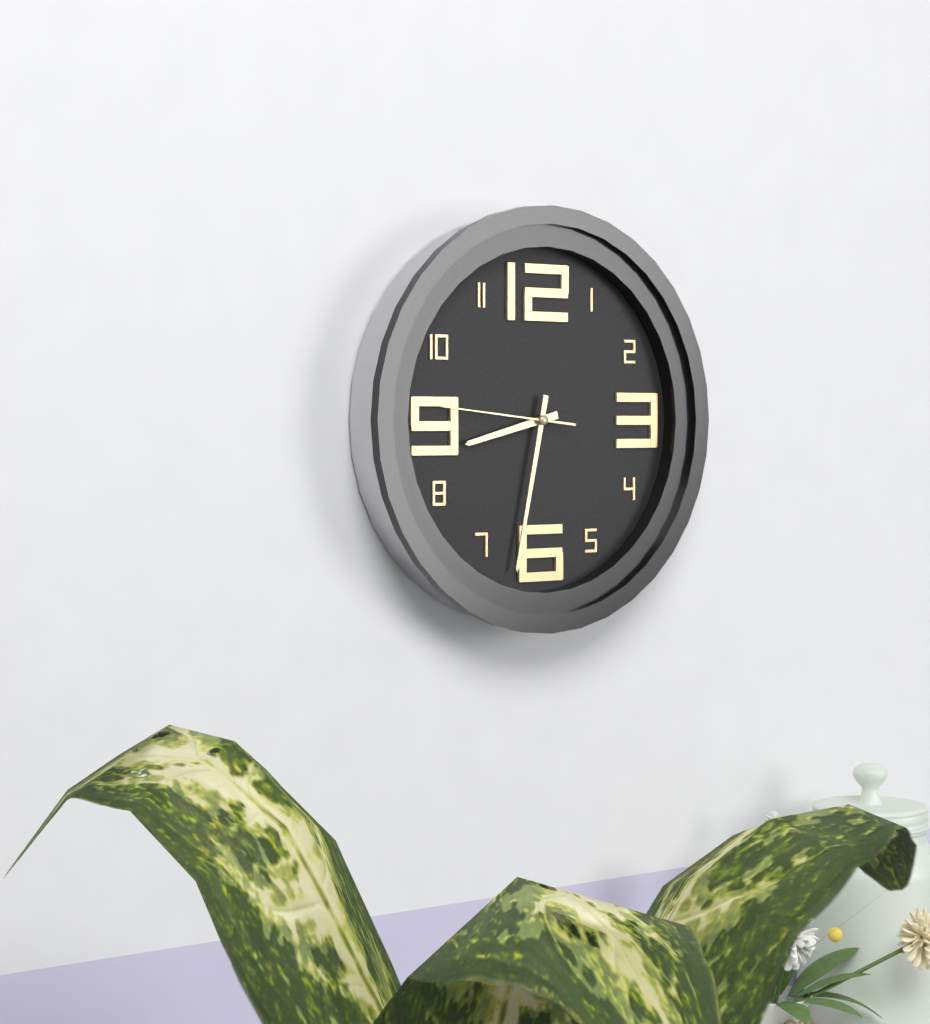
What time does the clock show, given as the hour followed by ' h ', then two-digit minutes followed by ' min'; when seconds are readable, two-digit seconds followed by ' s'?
8 h 32 min 46 s
